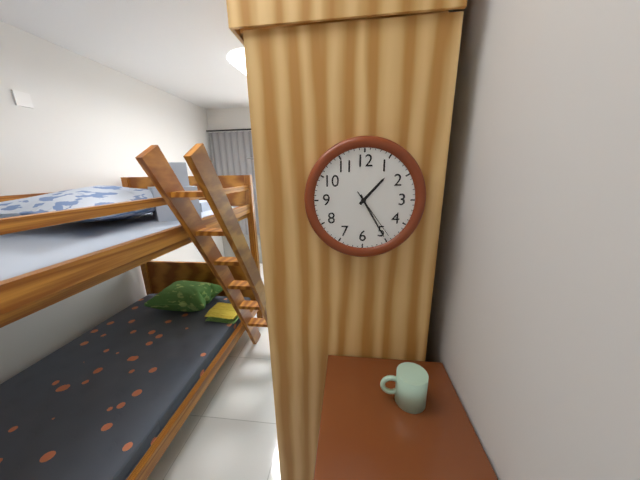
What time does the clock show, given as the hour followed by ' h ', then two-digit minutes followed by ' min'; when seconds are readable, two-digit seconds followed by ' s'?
1 h 25 min 24 s
